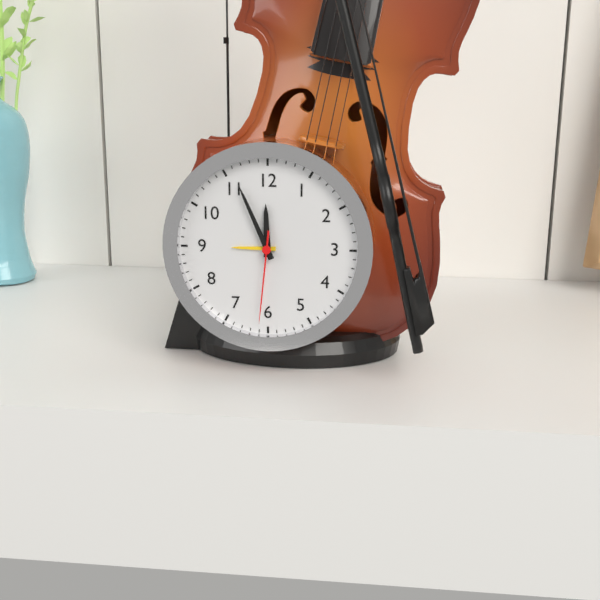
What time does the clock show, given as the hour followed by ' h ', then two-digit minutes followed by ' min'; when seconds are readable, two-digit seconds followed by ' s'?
11 h 56 min 31 s
